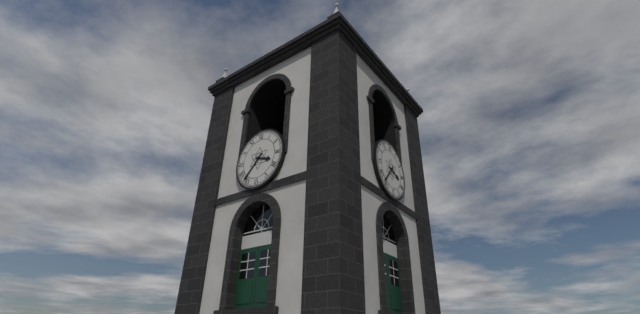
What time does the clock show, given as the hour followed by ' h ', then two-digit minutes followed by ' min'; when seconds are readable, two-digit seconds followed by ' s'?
3 h 37 min
